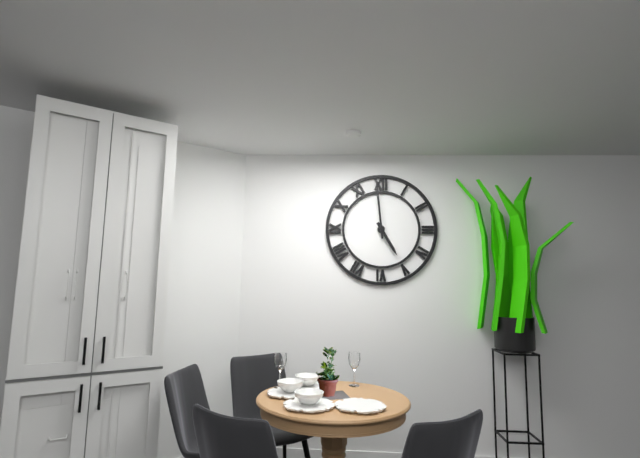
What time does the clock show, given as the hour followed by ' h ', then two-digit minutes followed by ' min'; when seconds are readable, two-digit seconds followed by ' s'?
4 h 59 min
